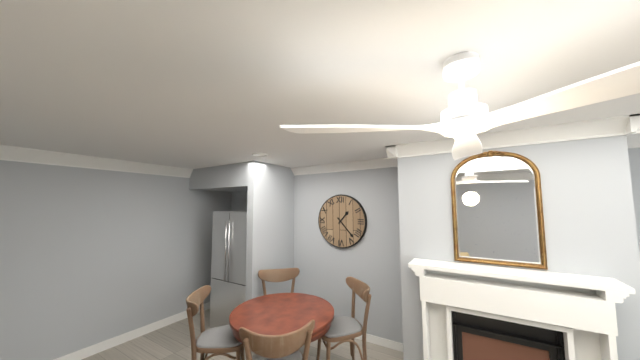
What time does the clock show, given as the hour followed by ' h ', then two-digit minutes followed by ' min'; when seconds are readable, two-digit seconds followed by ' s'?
1 h 23 min
